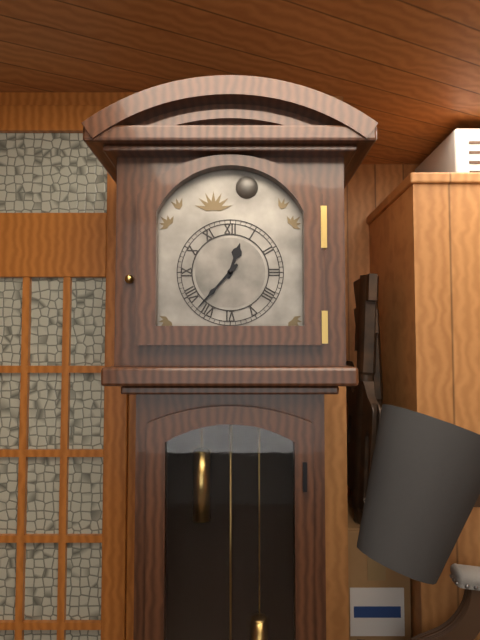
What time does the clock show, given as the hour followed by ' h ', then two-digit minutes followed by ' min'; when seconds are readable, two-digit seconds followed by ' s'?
12 h 37 min
